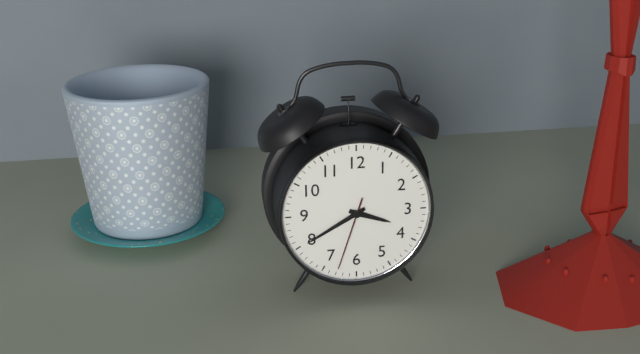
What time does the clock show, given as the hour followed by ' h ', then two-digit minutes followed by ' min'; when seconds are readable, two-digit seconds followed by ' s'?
3 h 40 min 33 s
